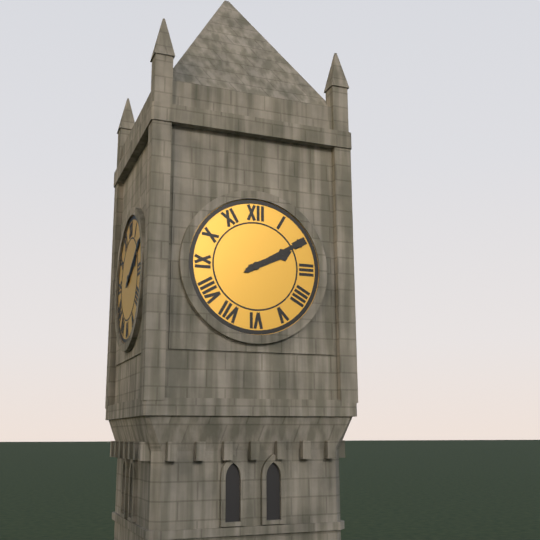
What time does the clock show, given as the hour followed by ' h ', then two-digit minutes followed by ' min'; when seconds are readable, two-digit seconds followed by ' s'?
2 h 10 min
